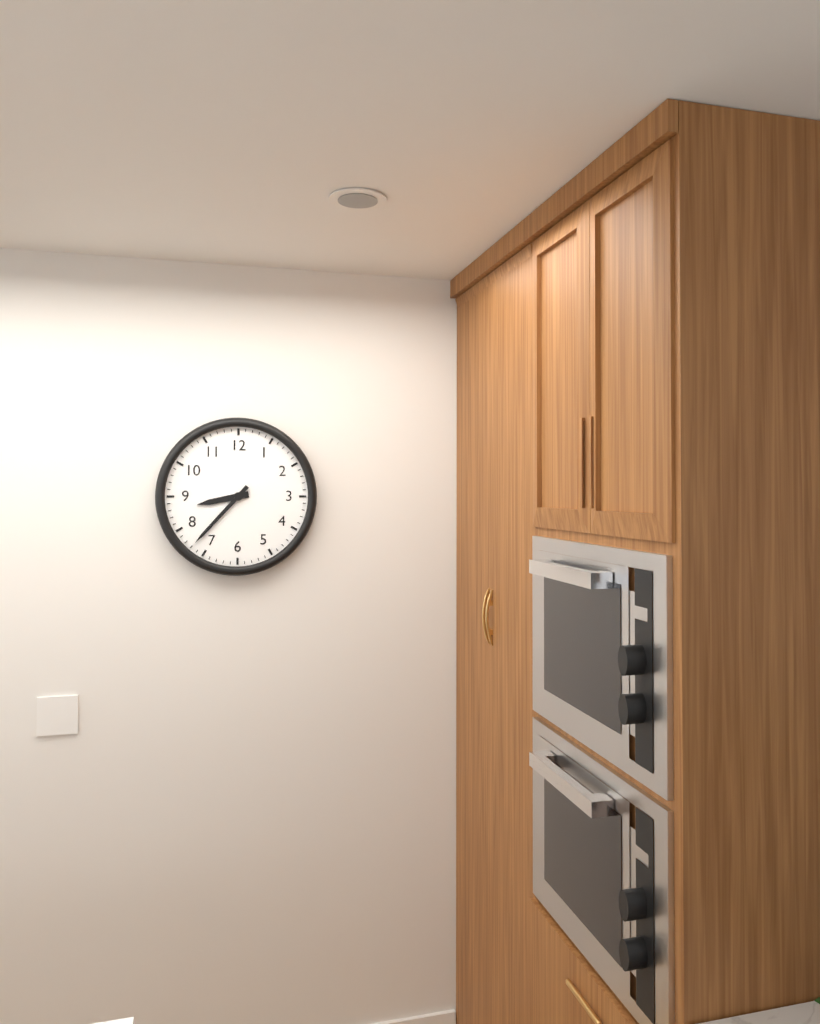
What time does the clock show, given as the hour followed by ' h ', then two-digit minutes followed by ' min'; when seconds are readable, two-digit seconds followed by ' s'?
8 h 37 min
